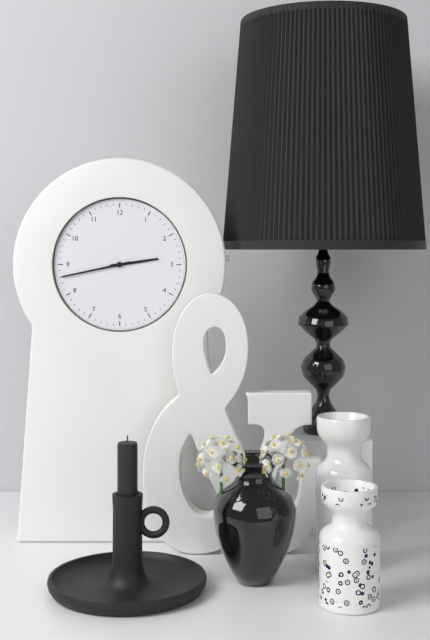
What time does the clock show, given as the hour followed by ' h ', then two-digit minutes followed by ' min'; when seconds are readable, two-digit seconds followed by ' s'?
2 h 43 min
